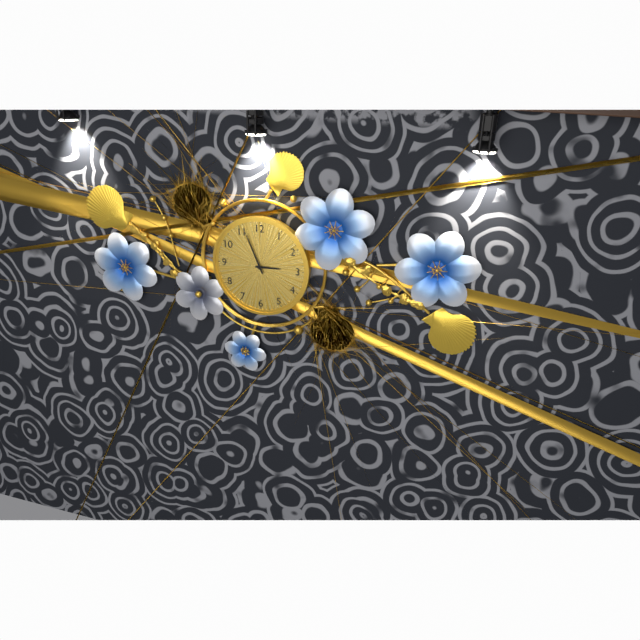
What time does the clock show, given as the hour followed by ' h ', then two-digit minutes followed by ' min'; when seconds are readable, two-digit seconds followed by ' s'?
2 h 56 min
